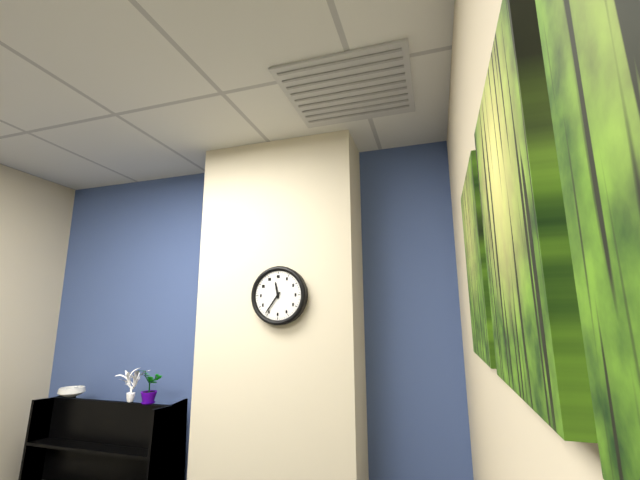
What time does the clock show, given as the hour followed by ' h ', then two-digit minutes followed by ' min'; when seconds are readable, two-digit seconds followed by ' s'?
11 h 36 min
